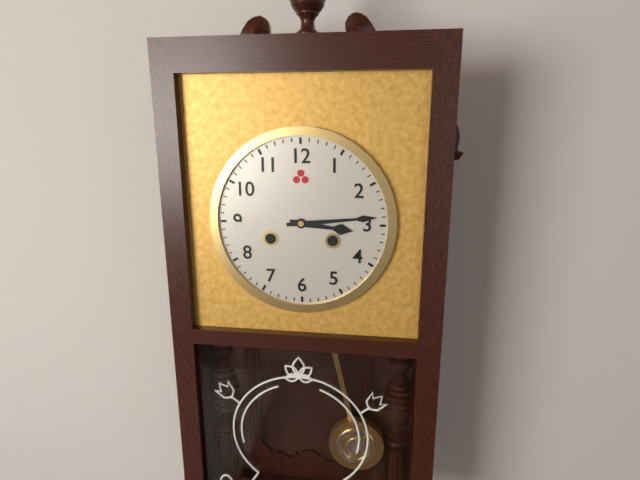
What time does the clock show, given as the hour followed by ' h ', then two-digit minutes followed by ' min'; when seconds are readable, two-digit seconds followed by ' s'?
3 h 14 min
